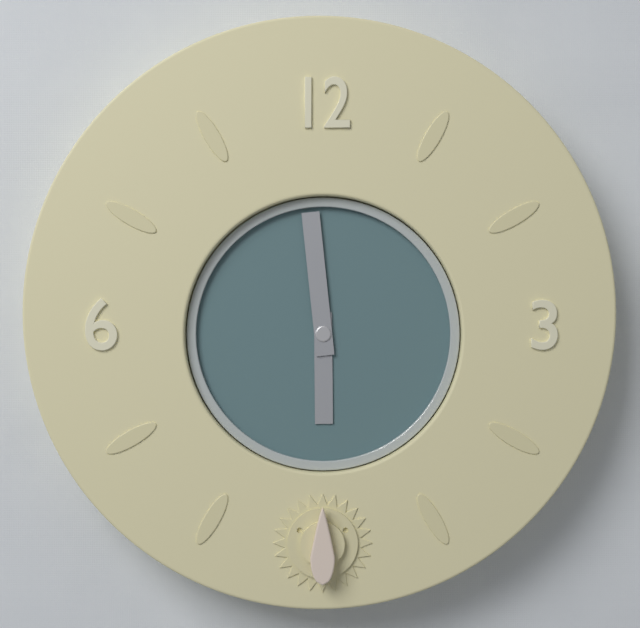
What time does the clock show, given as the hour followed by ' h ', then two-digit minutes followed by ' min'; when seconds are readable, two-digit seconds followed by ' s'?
5 h 59 min
